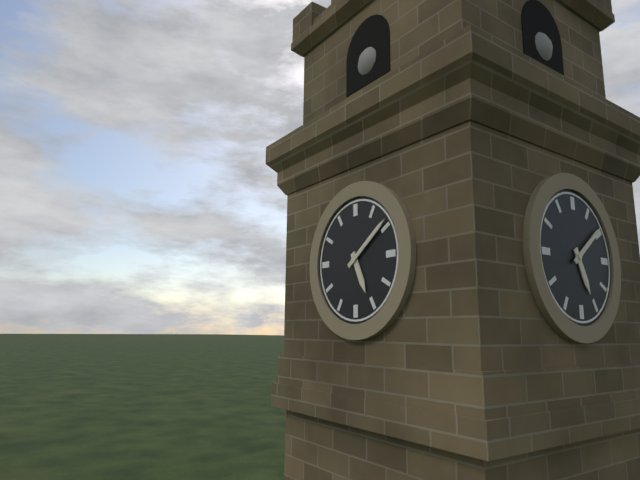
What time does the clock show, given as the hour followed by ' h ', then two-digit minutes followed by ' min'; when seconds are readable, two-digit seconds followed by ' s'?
5 h 09 min
